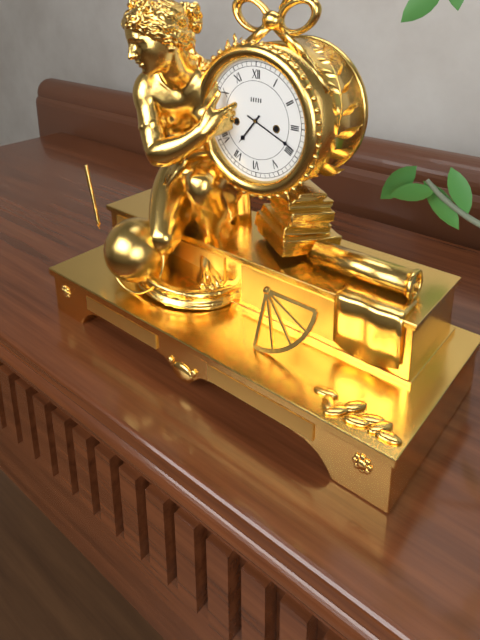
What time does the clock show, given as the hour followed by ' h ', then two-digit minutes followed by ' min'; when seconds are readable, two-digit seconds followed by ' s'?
7 h 19 min
